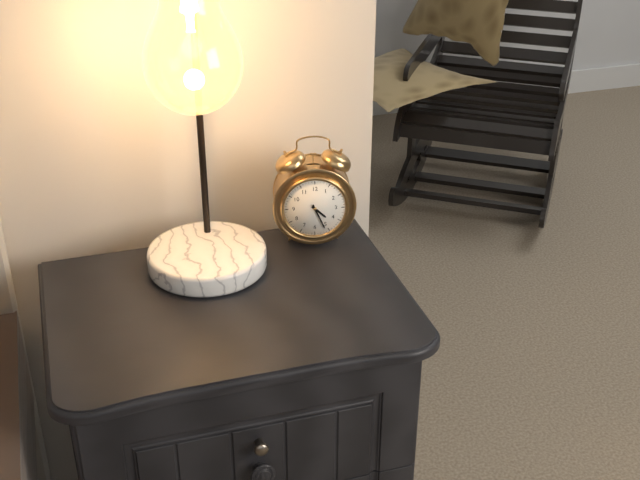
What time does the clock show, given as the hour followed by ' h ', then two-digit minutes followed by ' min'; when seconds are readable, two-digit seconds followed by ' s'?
4 h 26 min
